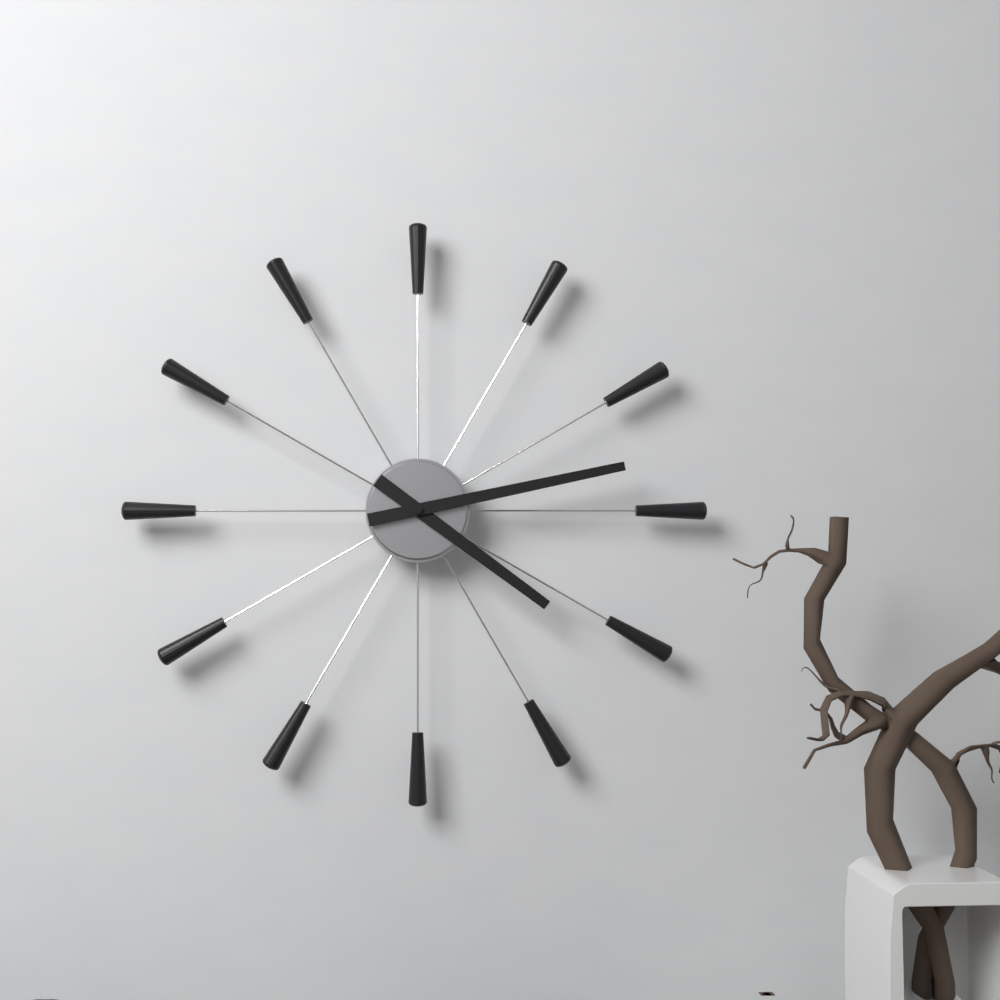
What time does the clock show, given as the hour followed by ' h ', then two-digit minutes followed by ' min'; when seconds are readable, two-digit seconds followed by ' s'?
4 h 13 min
